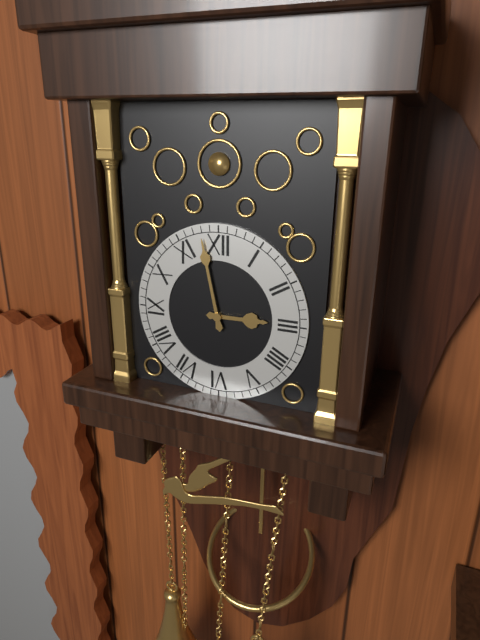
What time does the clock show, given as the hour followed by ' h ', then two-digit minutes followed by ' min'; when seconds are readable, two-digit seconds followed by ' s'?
2 h 58 min
